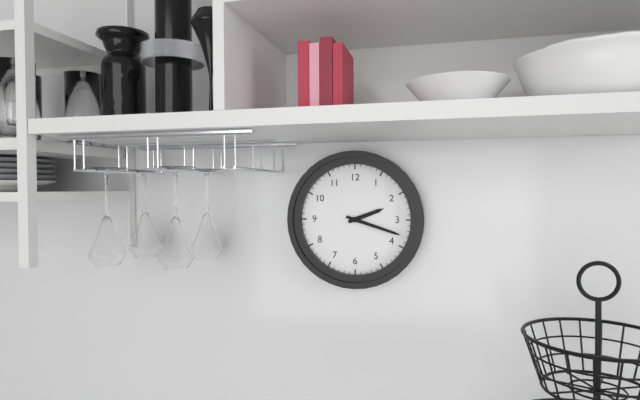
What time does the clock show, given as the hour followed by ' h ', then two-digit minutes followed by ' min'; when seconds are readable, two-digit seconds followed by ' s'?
2 h 18 min
